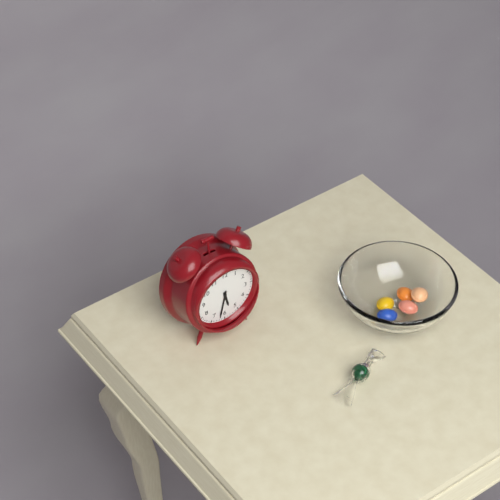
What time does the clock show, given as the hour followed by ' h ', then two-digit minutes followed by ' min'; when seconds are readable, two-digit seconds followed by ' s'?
5 h 32 min
